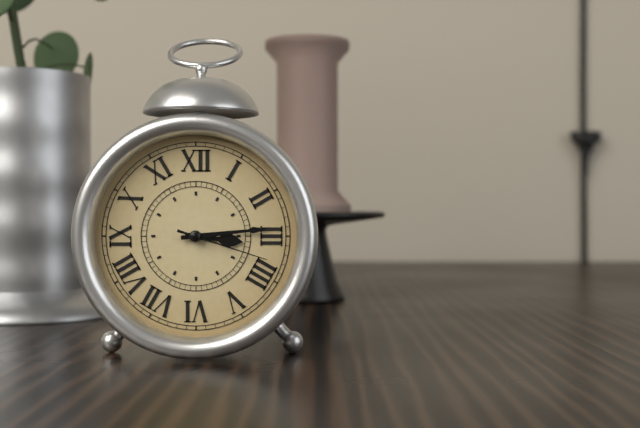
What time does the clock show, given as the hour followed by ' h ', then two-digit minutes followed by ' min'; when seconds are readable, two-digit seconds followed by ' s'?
3 h 14 min 18 s
